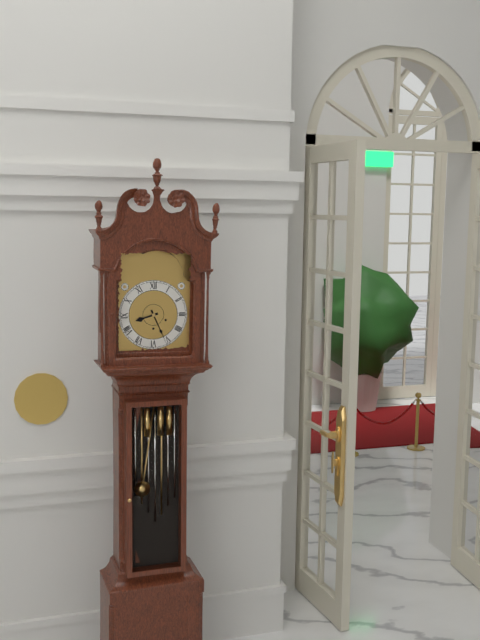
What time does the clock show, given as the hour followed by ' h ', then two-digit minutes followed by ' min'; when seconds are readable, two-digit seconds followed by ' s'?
8 h 26 min
